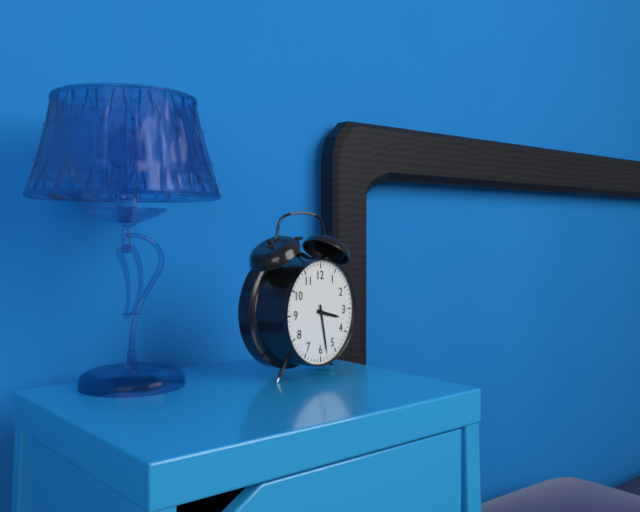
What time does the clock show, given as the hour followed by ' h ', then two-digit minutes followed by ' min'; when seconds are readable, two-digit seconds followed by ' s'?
3 h 28 min
